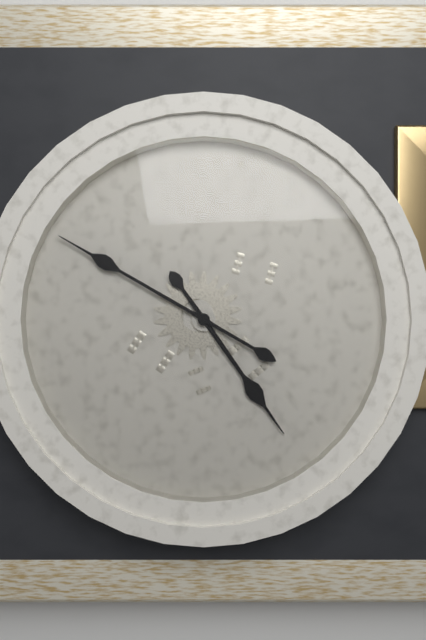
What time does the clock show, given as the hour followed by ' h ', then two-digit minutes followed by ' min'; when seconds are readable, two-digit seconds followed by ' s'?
4 h 50 min
